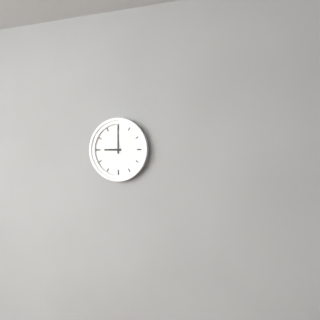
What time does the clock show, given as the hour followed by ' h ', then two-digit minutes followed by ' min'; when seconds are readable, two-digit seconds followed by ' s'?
9 h 00 min
